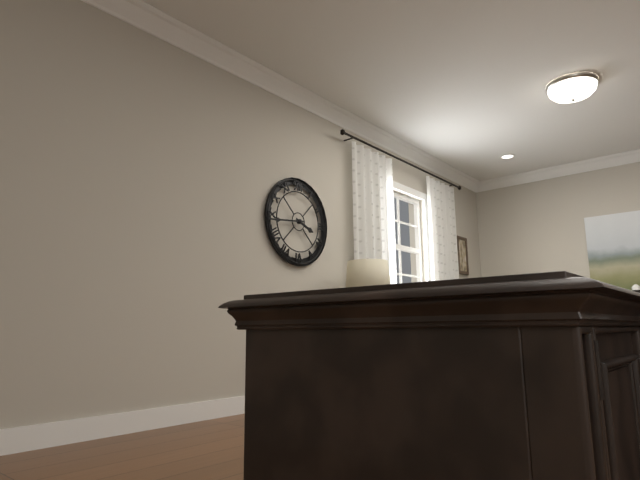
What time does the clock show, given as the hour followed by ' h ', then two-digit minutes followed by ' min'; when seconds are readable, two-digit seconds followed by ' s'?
3 h 44 min
